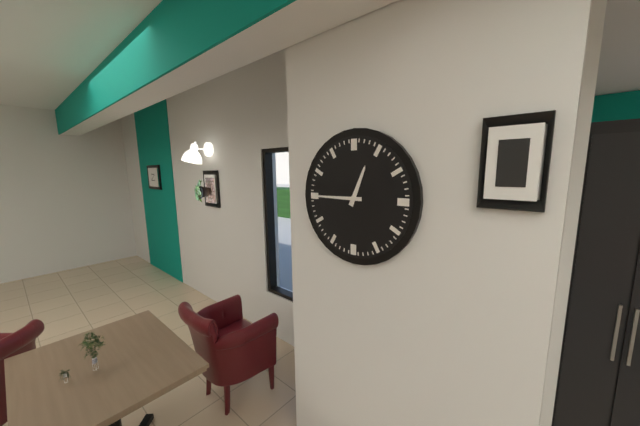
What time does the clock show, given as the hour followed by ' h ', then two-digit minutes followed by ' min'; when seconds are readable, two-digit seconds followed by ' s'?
12 h 45 min
